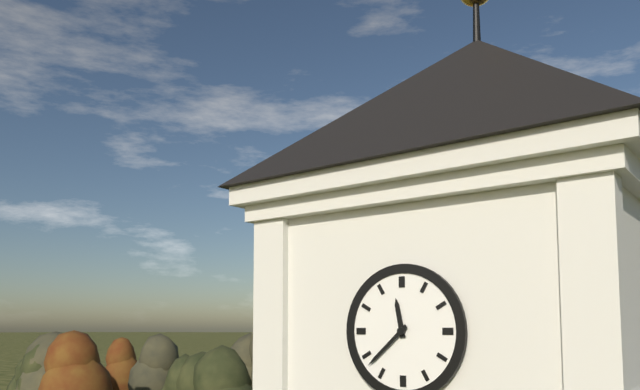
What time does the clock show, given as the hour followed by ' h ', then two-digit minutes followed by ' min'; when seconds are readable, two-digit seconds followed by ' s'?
11 h 38 min
